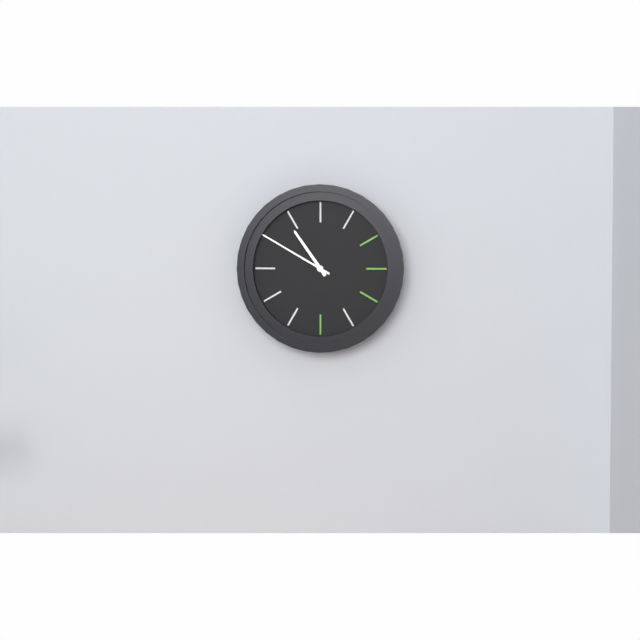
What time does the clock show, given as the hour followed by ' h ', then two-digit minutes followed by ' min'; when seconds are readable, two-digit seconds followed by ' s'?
10 h 50 min
